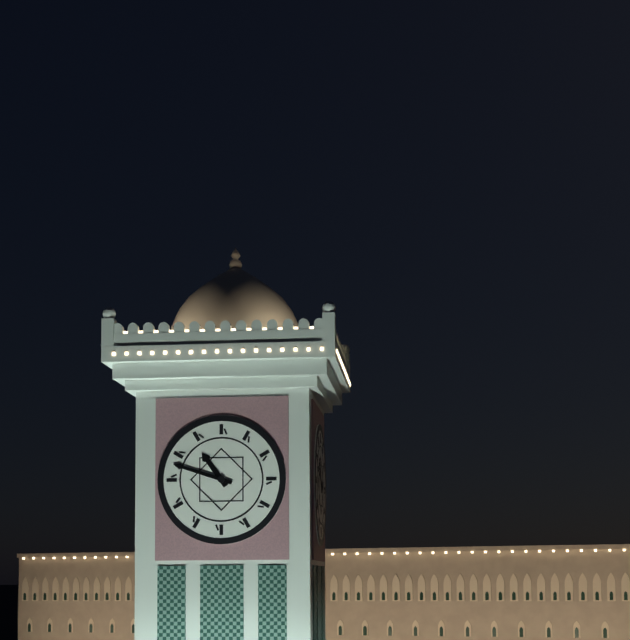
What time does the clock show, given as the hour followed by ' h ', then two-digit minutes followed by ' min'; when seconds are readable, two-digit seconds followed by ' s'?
10 h 48 min
